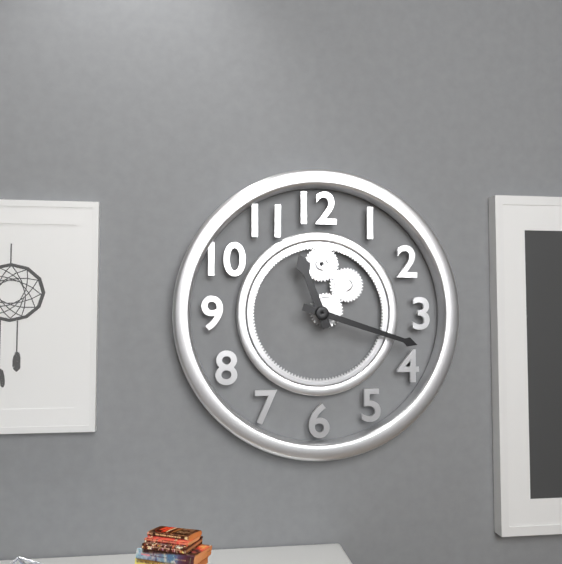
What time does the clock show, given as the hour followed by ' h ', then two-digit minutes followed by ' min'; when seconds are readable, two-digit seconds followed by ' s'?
11 h 18 min
